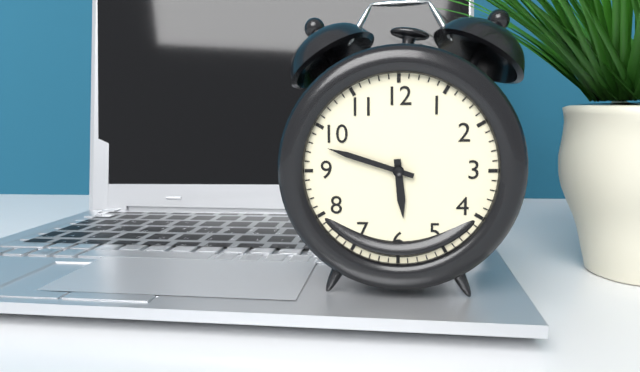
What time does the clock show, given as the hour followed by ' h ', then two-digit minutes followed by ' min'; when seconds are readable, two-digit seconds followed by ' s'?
5 h 48 min
